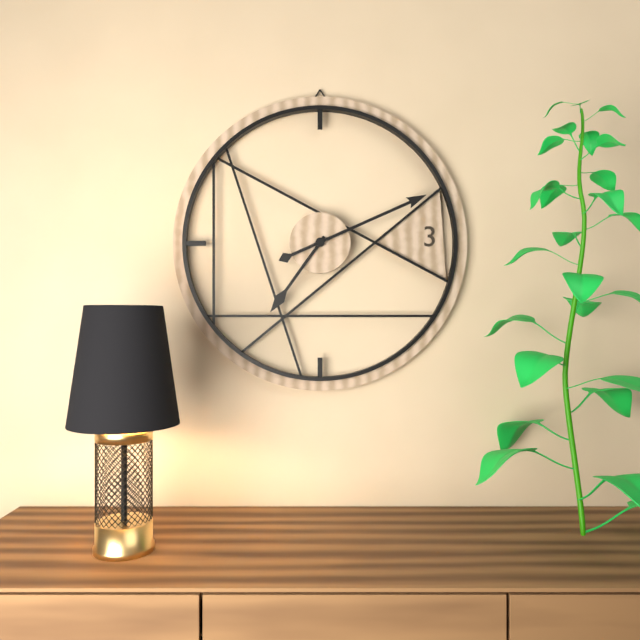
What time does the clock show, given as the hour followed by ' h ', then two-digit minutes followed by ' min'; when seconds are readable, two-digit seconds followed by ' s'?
7 h 11 min
